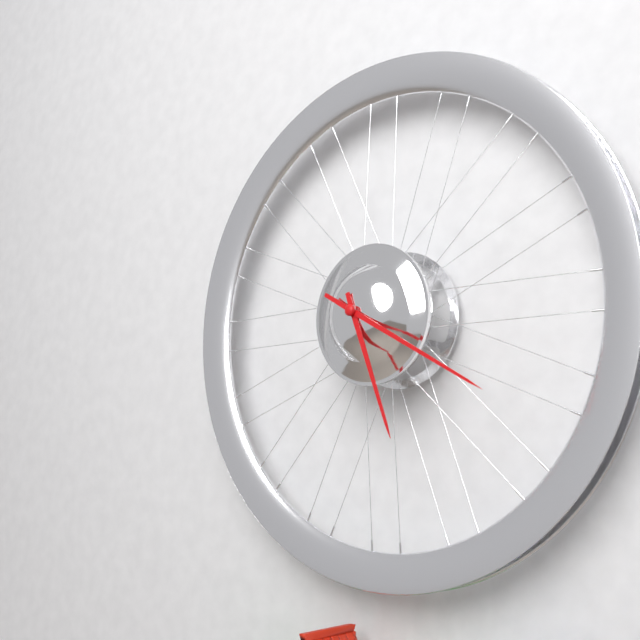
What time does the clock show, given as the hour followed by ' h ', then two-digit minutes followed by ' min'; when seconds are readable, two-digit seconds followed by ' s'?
5 h 20 min
